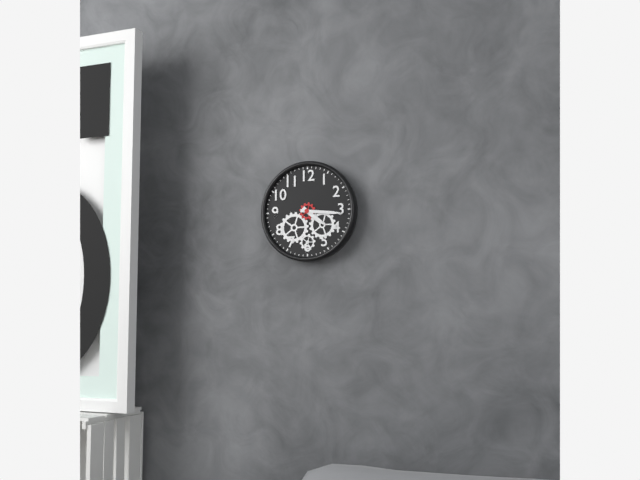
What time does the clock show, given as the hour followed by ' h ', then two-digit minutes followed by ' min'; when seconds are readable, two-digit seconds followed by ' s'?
4 h 16 min
